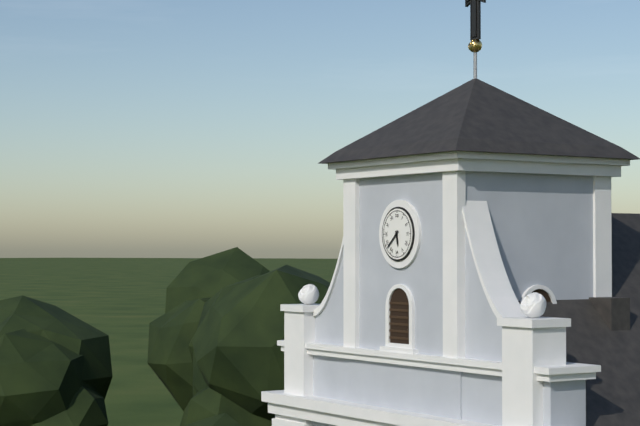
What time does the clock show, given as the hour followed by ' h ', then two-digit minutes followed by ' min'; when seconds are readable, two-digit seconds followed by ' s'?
5 h 38 min
